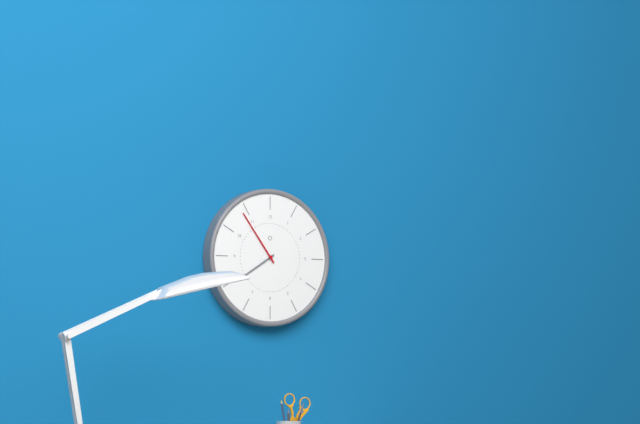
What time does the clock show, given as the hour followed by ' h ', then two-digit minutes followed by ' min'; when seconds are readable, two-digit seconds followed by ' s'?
7 h 54 min
